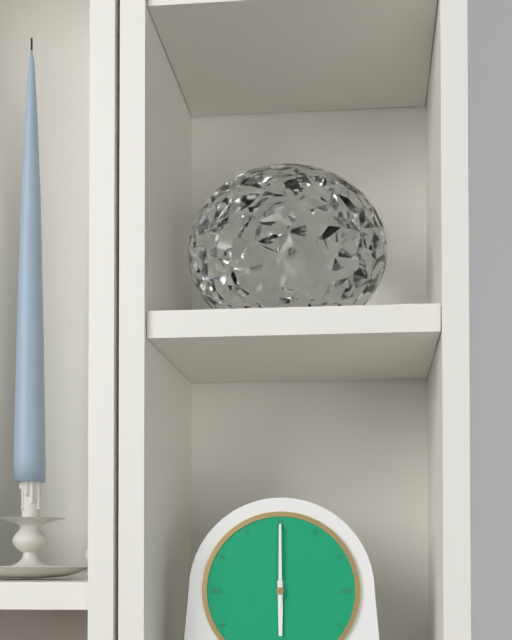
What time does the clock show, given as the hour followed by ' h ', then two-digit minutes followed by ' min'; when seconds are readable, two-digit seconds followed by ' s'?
6 h 00 min
